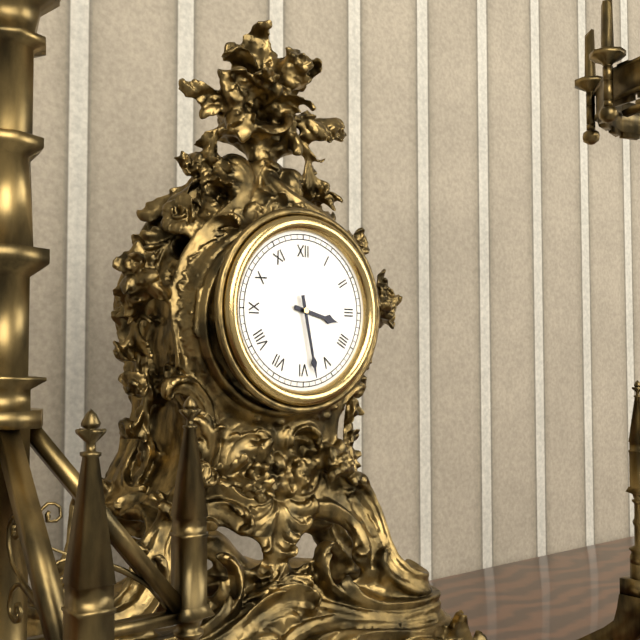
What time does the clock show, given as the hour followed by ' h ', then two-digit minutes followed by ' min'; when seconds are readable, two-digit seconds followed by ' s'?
3 h 28 min
